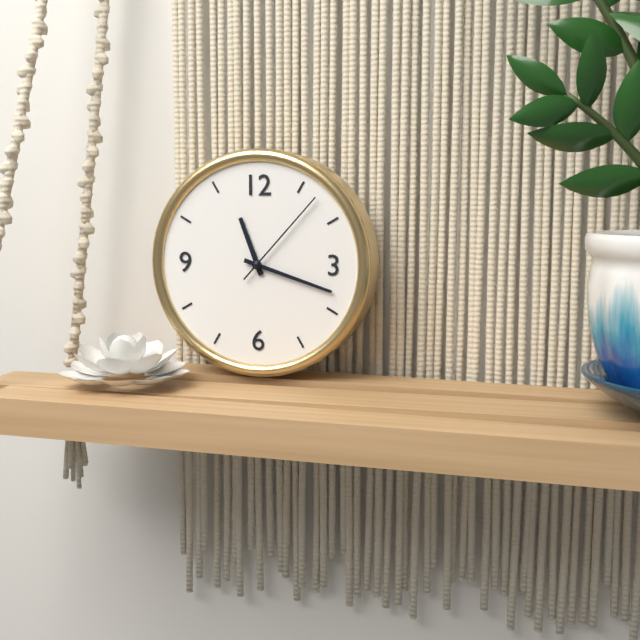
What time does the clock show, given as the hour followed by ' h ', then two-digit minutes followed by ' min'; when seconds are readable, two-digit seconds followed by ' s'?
11 h 18 min 07 s
